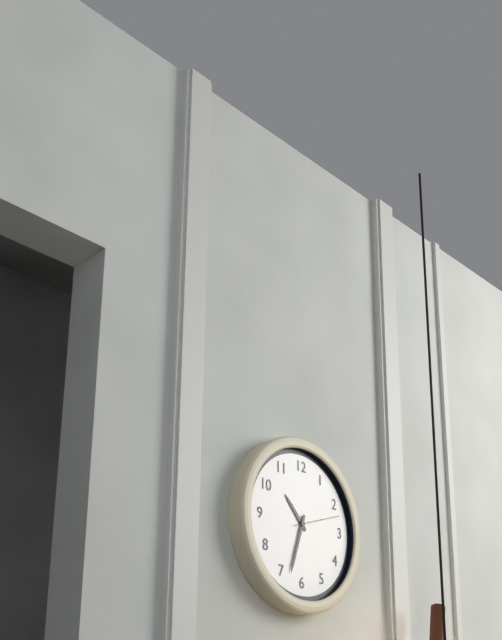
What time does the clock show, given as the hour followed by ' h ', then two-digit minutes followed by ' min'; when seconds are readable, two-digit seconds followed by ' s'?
10 h 33 min 12 s
